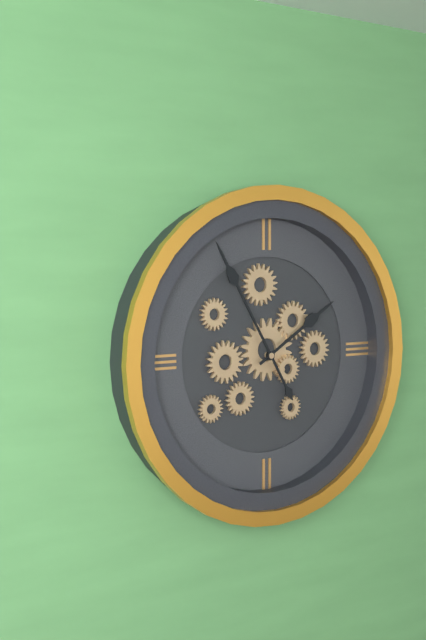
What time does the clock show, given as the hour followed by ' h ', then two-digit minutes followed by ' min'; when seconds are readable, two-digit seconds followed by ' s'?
1 h 55 min
